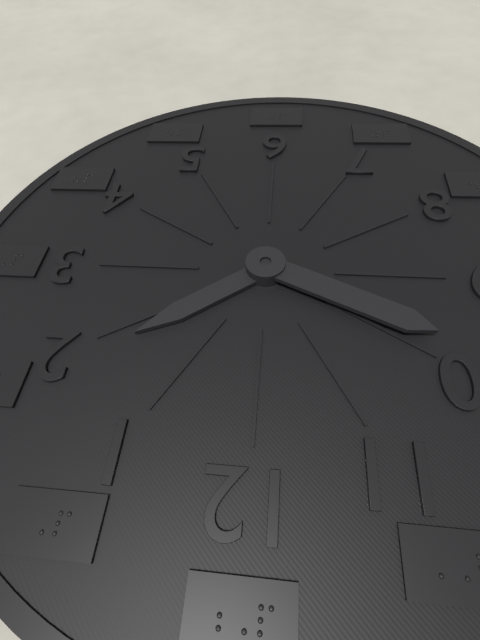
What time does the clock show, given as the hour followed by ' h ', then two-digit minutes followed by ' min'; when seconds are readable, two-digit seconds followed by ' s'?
1 h 49 min
